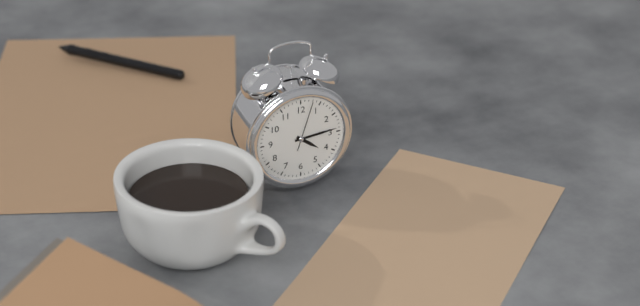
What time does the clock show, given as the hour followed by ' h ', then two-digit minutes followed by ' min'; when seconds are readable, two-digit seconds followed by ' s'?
4 h 14 min
